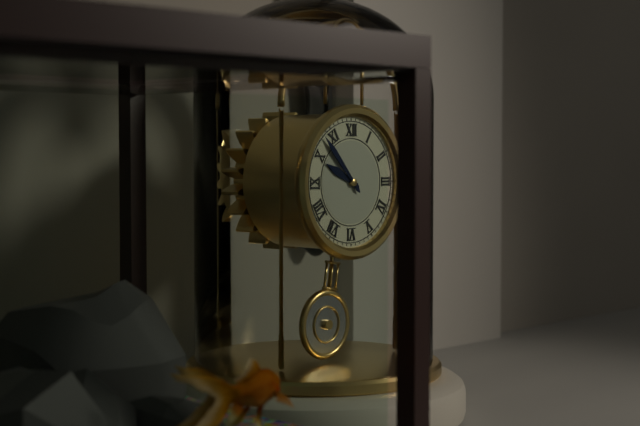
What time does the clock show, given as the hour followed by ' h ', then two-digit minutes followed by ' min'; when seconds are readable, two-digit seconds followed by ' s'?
9 h 53 min
